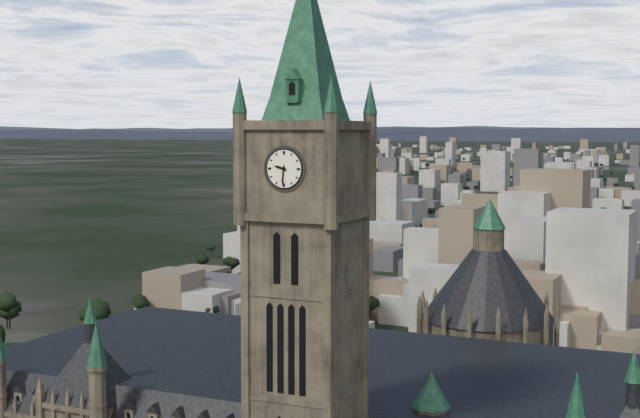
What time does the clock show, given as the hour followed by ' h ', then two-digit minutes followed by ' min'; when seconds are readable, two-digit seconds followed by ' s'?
9 h 31 min
